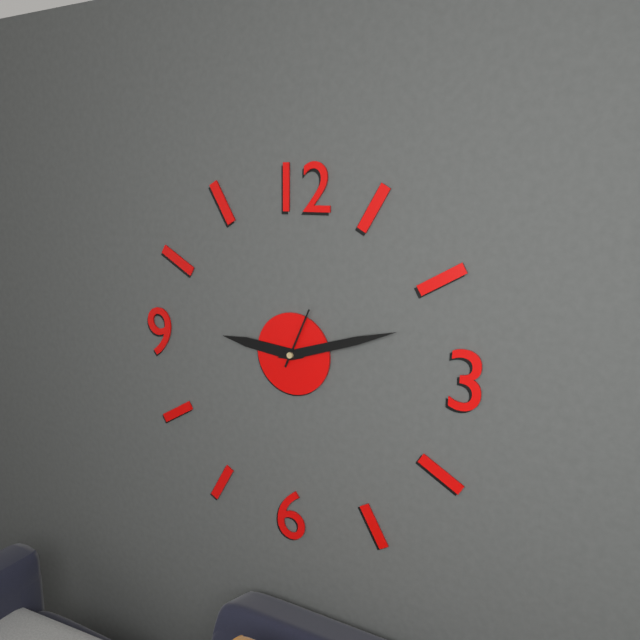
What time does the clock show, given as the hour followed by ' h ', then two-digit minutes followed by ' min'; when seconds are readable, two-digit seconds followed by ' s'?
9 h 12 min 04 s
